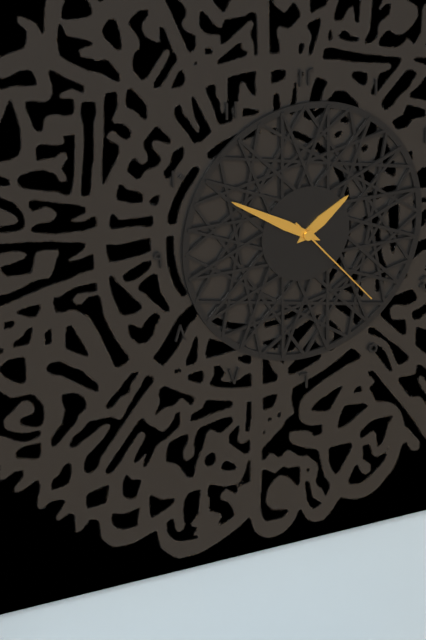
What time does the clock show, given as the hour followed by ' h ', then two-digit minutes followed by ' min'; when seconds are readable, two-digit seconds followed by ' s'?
1 h 50 min 23 s
